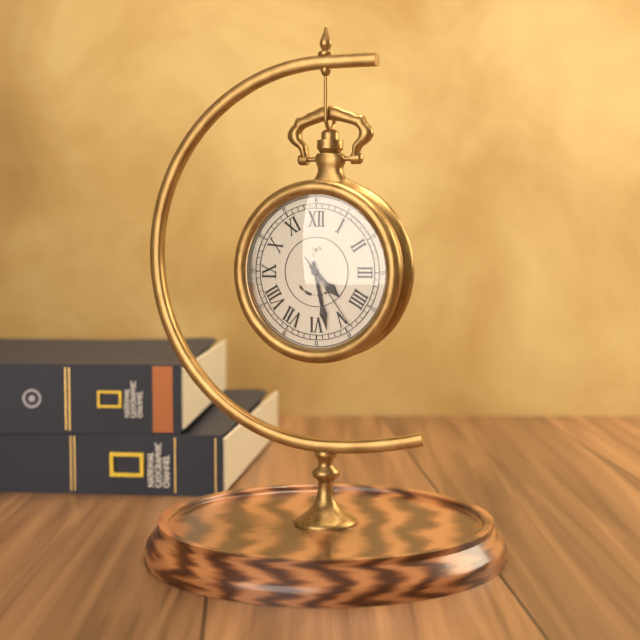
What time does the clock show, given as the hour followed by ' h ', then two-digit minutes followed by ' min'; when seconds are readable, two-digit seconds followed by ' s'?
4 h 28 min 24 s
